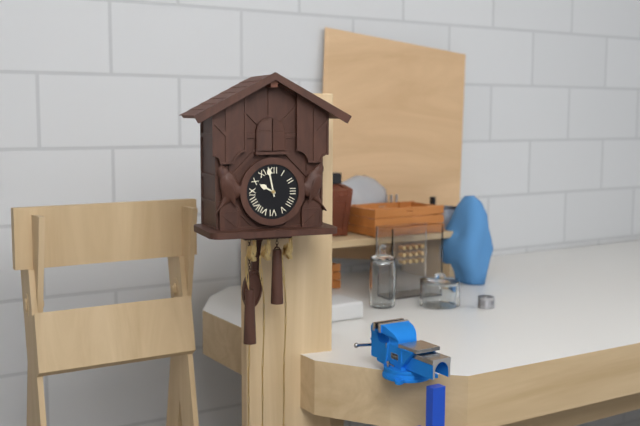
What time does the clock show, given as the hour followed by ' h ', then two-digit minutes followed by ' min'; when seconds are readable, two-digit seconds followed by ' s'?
9 h 58 min
